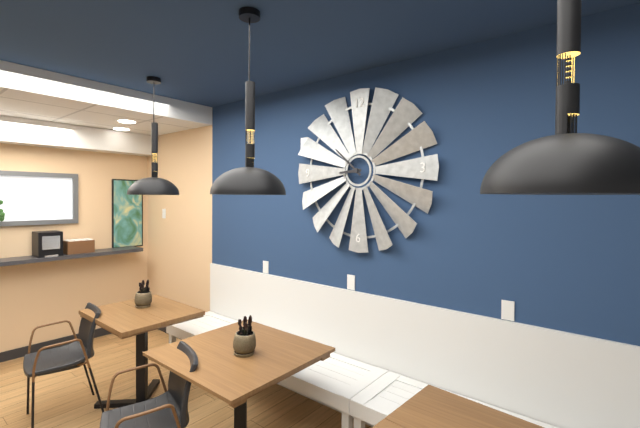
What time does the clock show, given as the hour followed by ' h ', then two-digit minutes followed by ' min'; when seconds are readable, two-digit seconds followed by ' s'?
8 h 52 min
